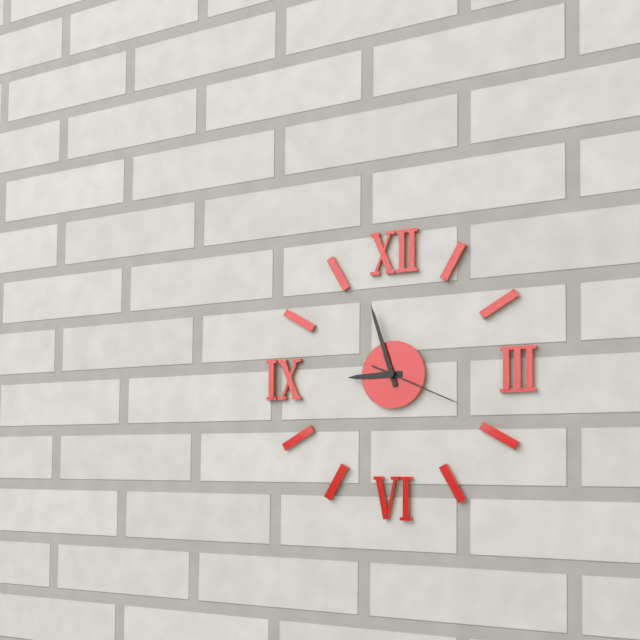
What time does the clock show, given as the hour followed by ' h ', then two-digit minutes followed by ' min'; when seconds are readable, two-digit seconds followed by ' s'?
8 h 57 min 19 s
